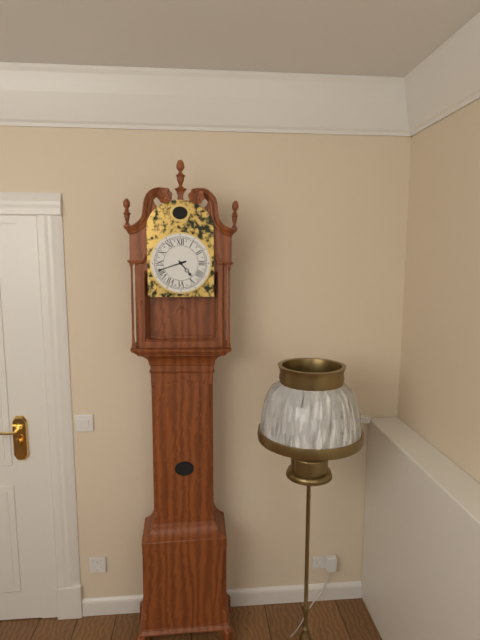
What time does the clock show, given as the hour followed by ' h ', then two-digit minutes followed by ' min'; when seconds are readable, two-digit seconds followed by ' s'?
4 h 42 min
